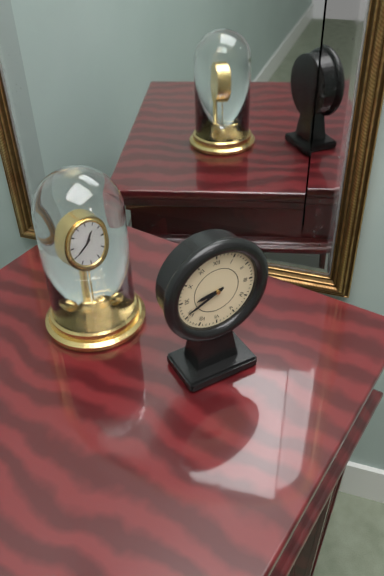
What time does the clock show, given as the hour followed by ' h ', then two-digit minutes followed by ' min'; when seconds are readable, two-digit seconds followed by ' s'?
8 h 41 min
